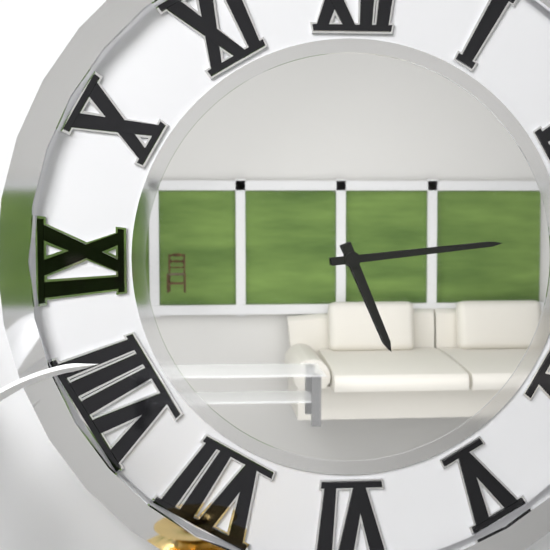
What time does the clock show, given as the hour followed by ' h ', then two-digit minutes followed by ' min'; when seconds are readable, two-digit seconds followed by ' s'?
5 h 14 min
